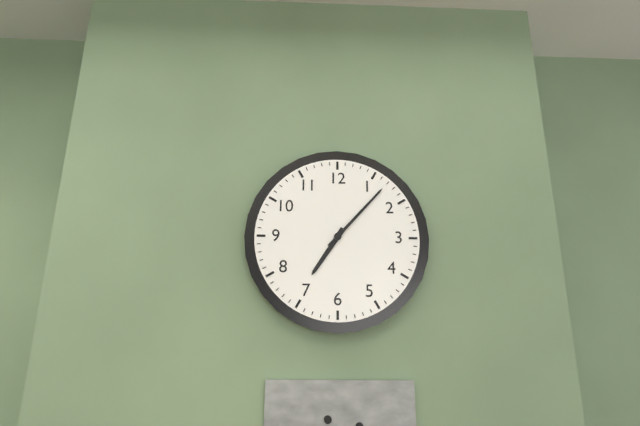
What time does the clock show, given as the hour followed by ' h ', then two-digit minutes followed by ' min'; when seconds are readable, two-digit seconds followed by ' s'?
7 h 07 min
